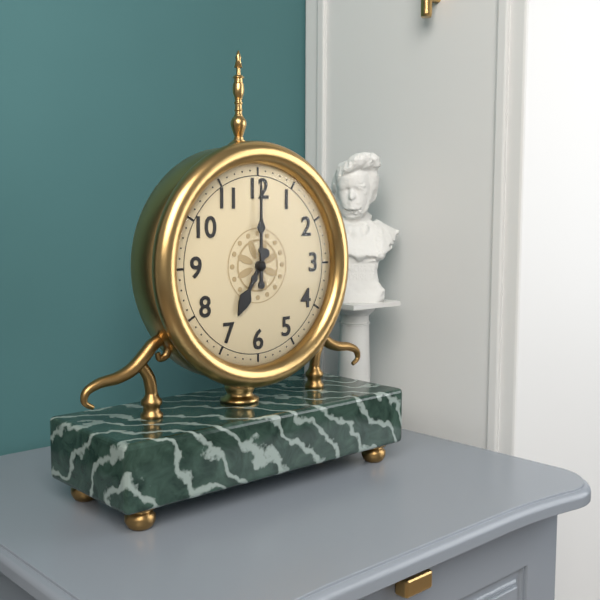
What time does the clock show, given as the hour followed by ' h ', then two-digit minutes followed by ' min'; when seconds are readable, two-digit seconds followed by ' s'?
7 h 00 min
